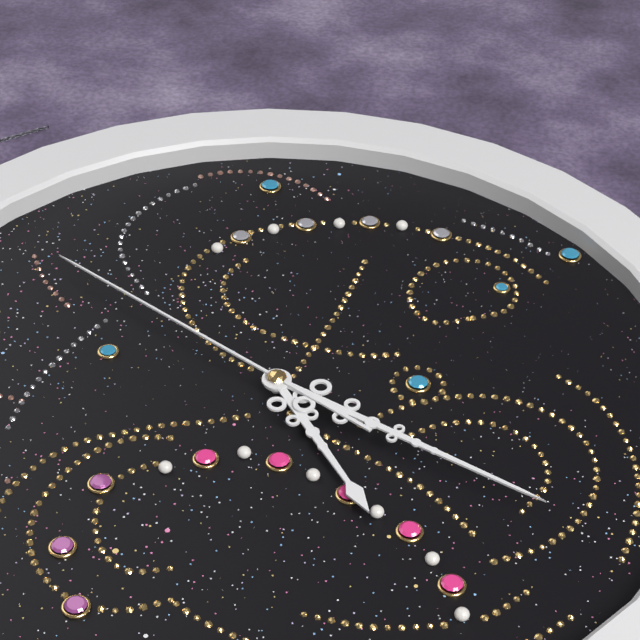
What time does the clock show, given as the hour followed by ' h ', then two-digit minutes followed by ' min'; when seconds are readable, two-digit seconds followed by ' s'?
10 h 49 min 20 s
